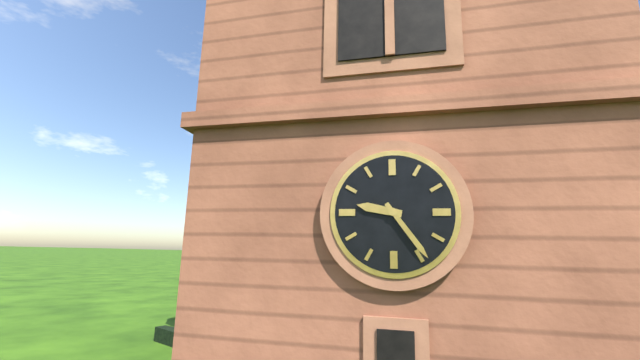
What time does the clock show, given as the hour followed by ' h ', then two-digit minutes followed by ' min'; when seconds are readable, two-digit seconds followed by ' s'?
9 h 24 min
